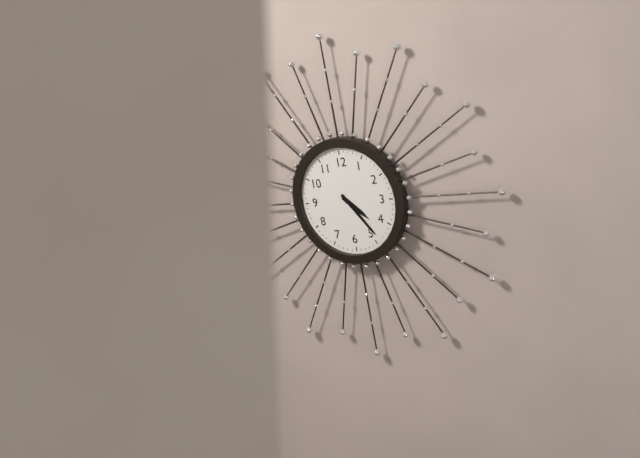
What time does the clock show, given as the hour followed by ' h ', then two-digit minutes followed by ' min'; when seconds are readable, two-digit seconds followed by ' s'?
4 h 24 min
